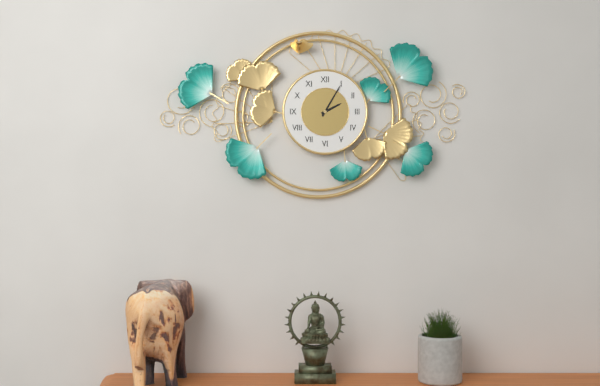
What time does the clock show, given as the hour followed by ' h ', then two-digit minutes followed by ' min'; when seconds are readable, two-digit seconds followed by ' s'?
2 h 05 min
